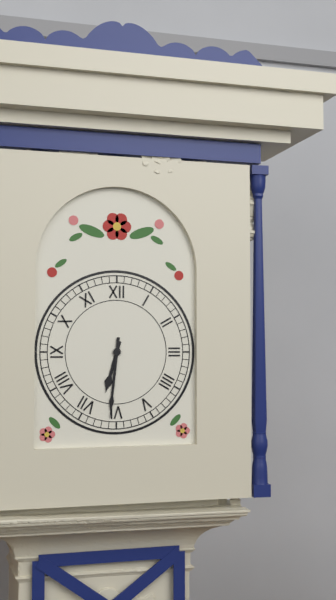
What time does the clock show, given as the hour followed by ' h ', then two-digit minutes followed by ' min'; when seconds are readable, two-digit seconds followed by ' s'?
6 h 31 min
